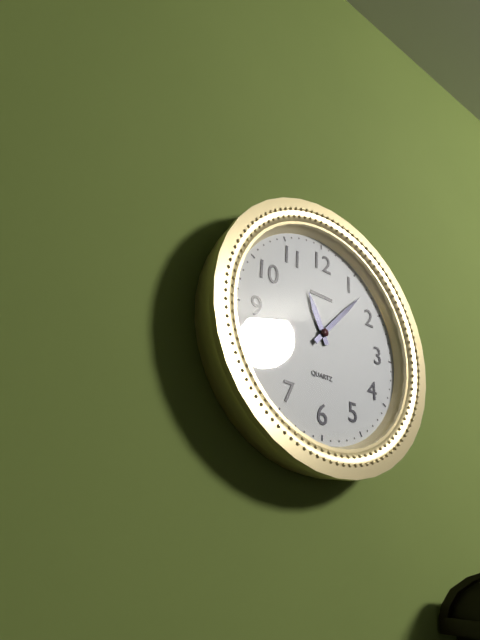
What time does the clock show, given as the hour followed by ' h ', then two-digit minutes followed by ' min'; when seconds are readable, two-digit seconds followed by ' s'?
11 h 07 min
